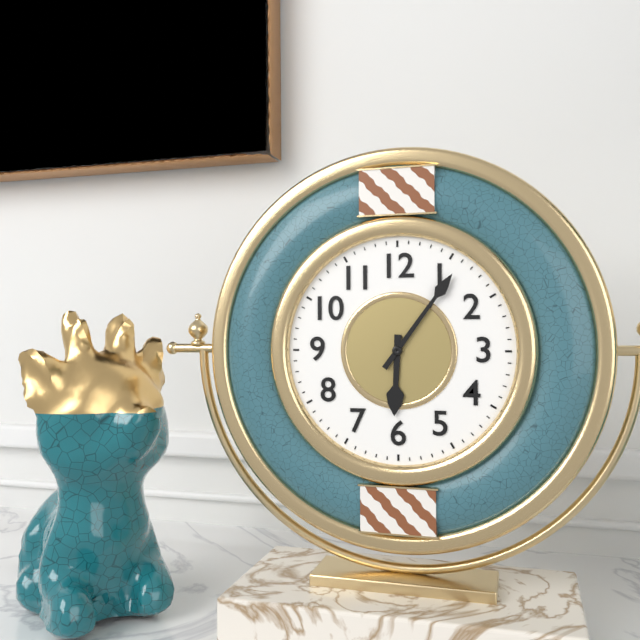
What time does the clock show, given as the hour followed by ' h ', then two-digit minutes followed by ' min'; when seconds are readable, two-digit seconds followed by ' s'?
6 h 06 min
